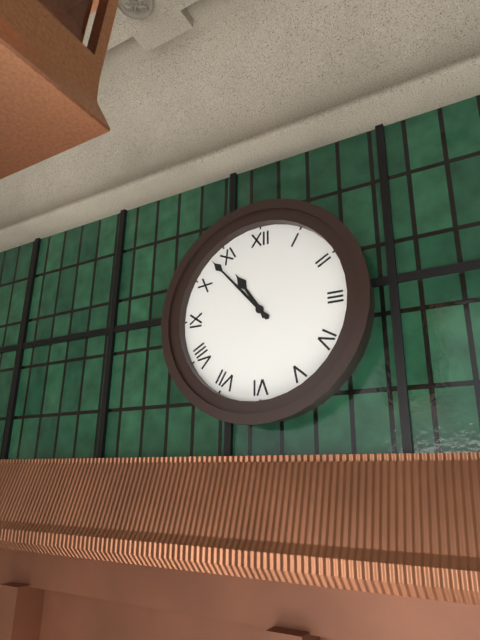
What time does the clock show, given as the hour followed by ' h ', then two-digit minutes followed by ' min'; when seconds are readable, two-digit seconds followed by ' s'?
10 h 53 min
